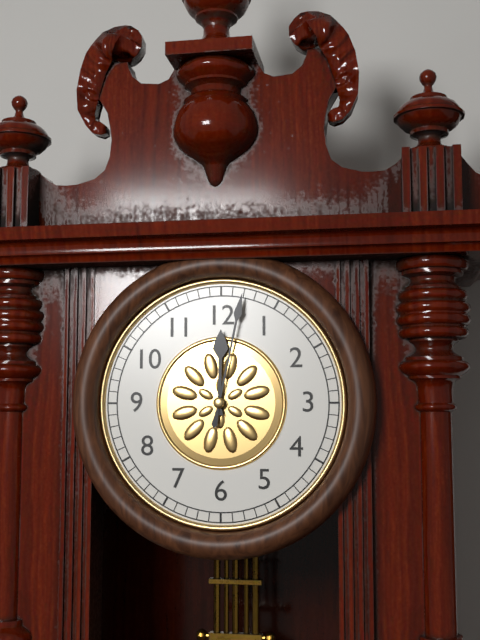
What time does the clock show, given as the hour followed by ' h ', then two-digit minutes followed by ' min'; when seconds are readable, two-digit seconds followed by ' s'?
12 h 02 min
